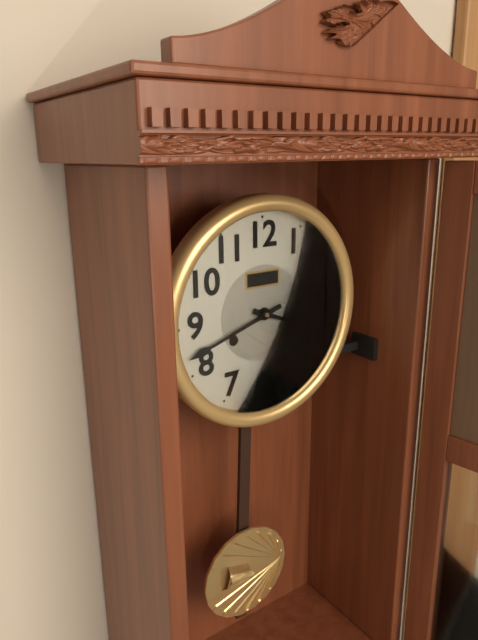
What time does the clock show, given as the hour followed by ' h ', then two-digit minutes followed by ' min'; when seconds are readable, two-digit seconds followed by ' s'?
3 h 42 min
